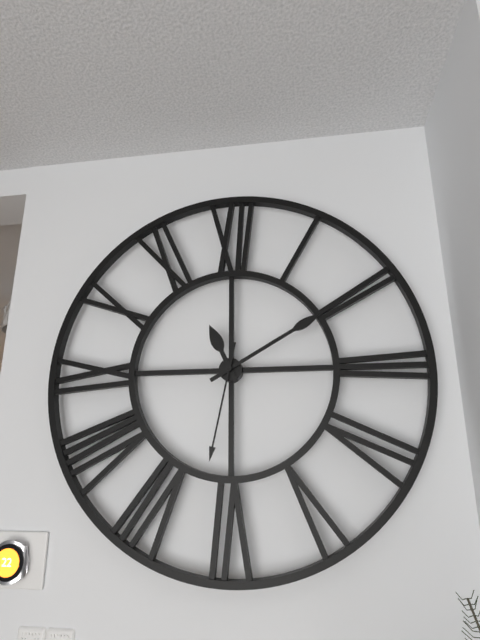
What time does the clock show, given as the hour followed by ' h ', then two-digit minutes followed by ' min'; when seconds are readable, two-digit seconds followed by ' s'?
11 h 10 min 32 s
